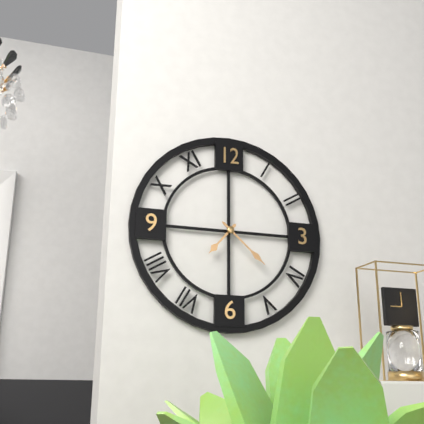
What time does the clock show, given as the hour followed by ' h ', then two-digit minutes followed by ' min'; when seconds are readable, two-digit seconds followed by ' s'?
7 h 22 min
